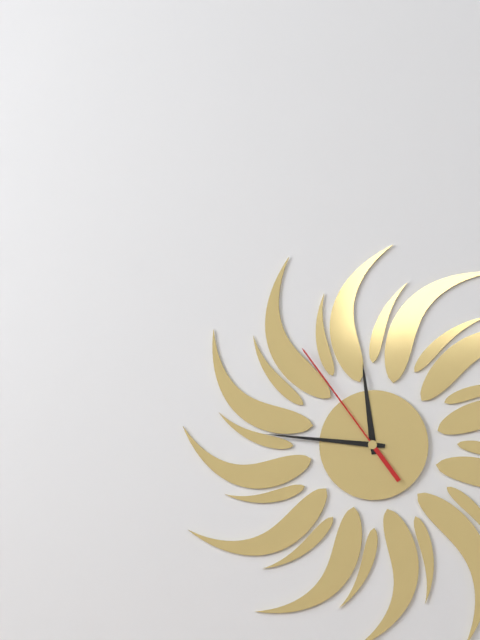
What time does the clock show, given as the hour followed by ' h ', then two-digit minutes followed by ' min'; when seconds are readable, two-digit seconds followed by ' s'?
11 h 46 min 54 s
